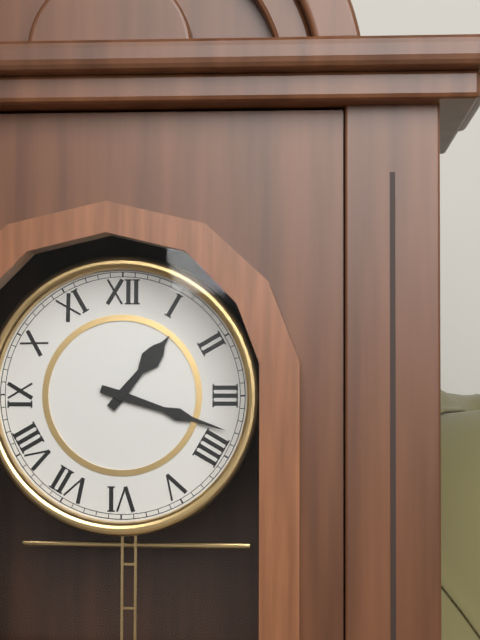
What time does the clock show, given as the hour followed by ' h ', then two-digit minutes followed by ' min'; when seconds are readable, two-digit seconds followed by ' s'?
1 h 18 min
